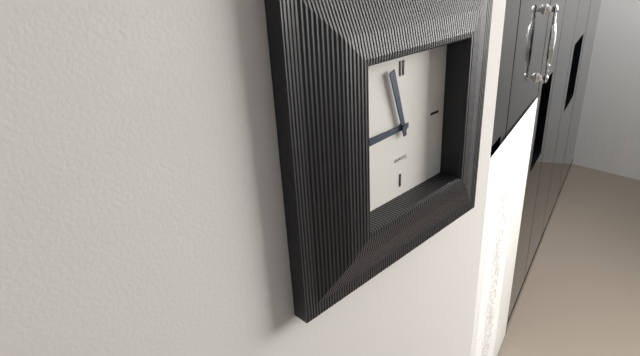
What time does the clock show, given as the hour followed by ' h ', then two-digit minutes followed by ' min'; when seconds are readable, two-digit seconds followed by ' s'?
8 h 57 min
